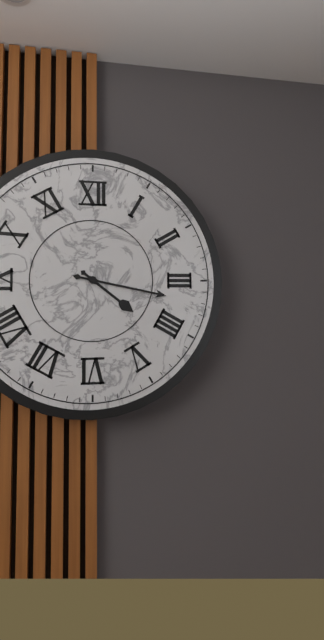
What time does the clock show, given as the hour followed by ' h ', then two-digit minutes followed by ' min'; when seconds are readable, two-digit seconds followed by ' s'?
4 h 17 min
